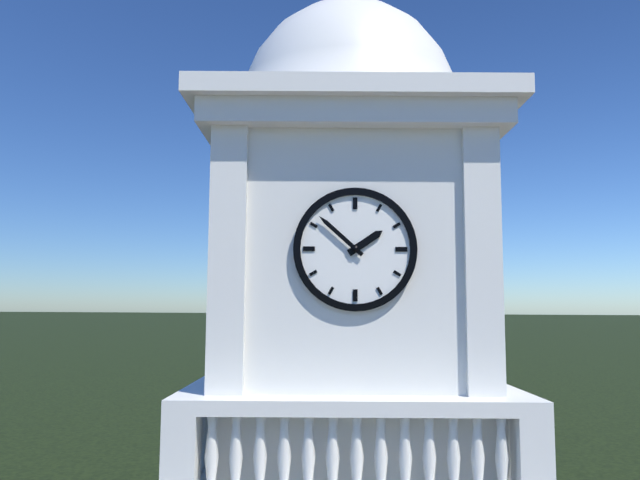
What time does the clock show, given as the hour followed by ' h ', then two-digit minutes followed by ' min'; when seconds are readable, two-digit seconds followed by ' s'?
1 h 52 min
